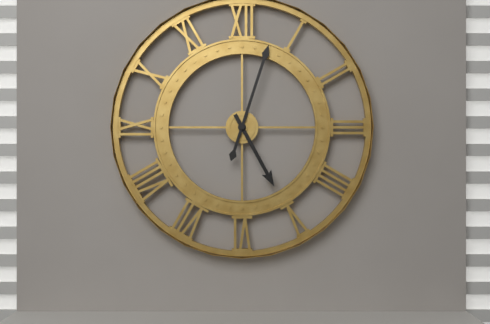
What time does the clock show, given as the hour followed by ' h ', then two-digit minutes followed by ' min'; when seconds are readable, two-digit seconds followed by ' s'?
5 h 03 min
